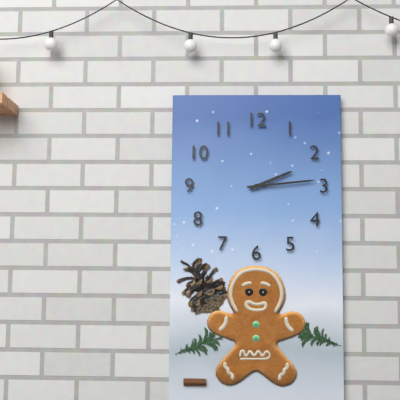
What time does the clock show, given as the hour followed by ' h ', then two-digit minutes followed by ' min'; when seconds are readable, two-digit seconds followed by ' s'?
2 h 14 min
